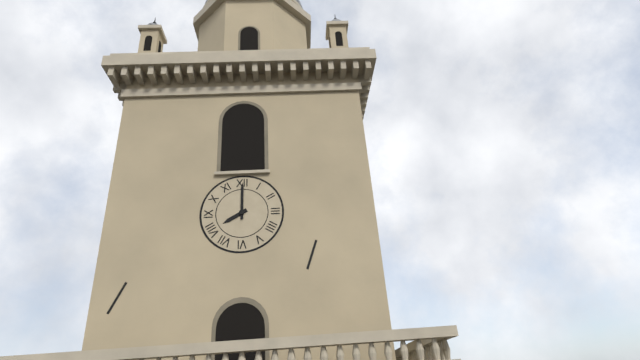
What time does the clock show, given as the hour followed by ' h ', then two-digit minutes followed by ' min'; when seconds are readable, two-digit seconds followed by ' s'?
8 h 00 min
